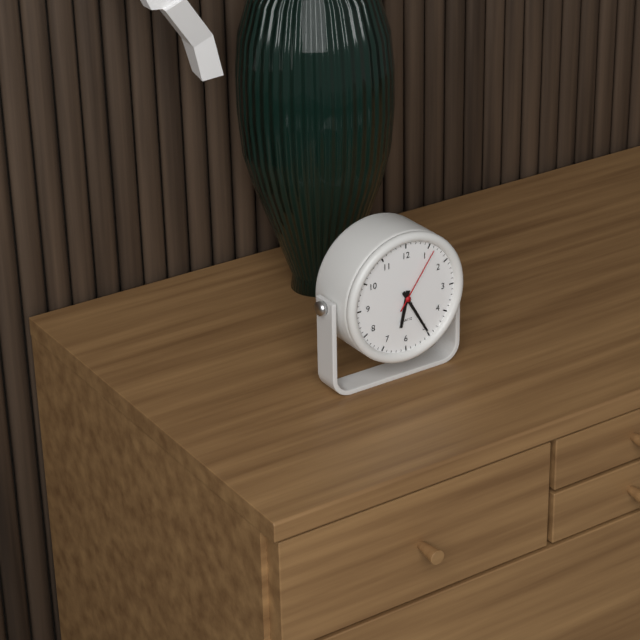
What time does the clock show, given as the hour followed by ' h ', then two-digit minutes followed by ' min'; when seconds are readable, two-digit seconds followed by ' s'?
6 h 25 min 06 s
